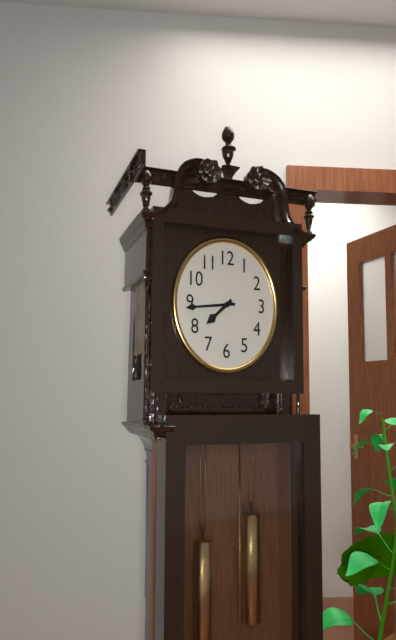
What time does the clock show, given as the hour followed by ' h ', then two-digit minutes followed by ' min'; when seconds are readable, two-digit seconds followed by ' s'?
7 h 44 min
